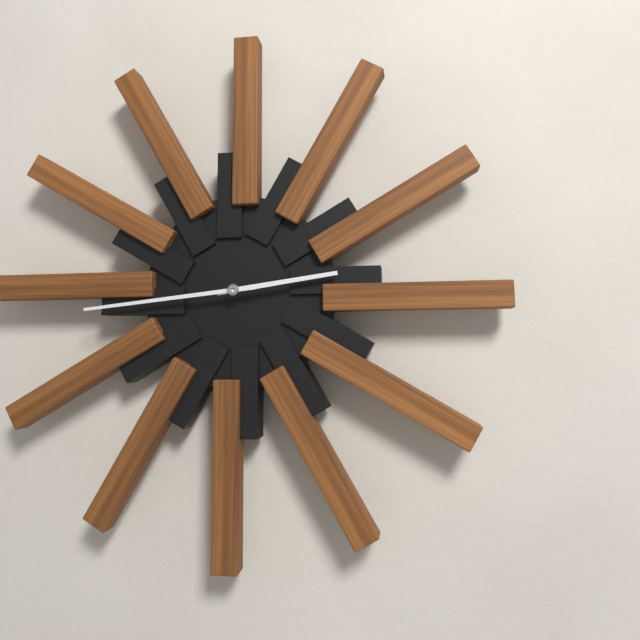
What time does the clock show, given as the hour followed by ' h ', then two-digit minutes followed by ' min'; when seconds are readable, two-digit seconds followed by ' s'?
2 h 44 min
